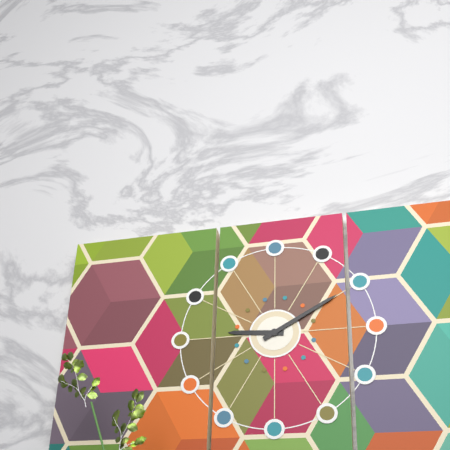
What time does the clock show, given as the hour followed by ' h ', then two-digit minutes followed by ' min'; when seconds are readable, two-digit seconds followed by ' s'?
9 h 10 min
